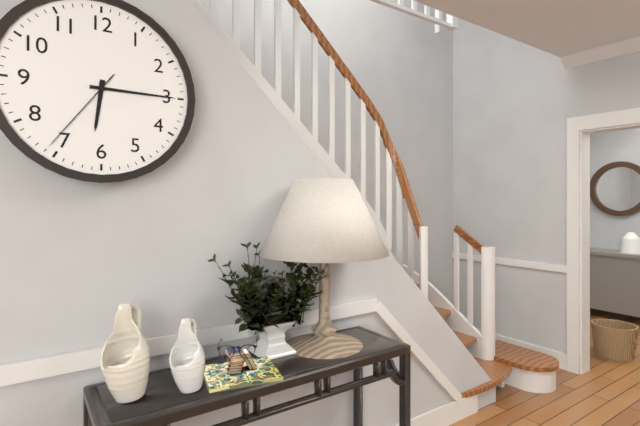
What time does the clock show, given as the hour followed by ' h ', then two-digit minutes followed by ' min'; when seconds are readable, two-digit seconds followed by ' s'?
6 h 15 min 36 s
